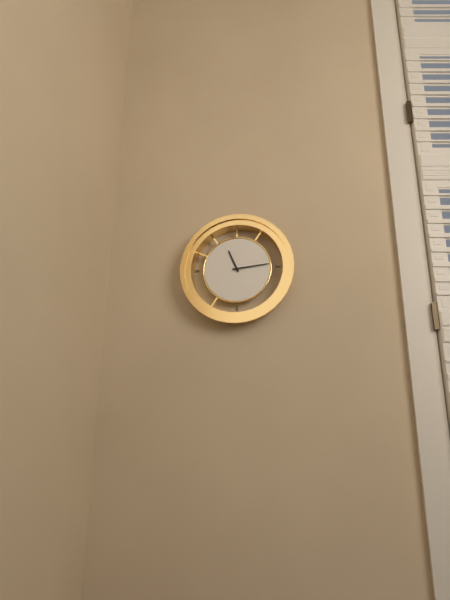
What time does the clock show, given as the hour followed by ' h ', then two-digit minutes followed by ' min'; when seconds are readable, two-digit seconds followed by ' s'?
11 h 14 min
